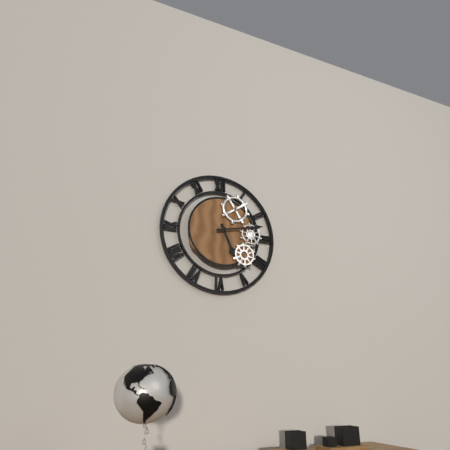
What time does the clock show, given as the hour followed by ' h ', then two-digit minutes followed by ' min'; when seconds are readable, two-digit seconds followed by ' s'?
5 h 13 min
